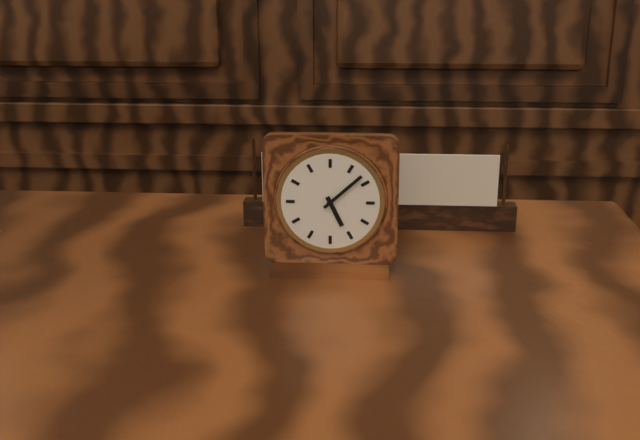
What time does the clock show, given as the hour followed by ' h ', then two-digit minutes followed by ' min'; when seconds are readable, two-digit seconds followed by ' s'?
5 h 08 min
